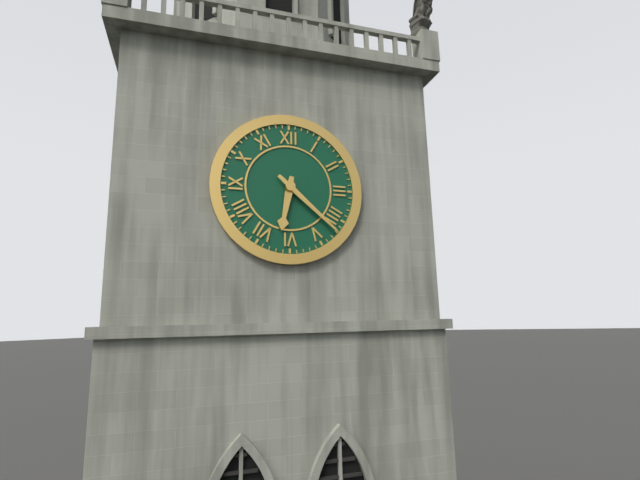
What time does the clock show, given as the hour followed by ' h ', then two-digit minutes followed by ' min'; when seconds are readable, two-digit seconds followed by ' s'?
6 h 22 min
